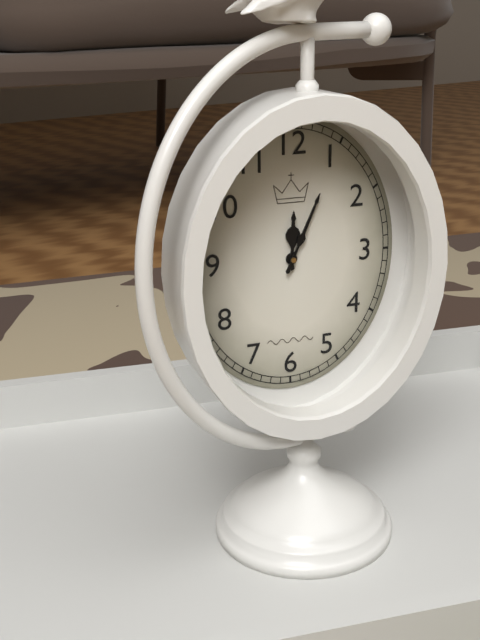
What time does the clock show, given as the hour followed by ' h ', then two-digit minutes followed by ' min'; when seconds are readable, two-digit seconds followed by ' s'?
12 h 04 min
